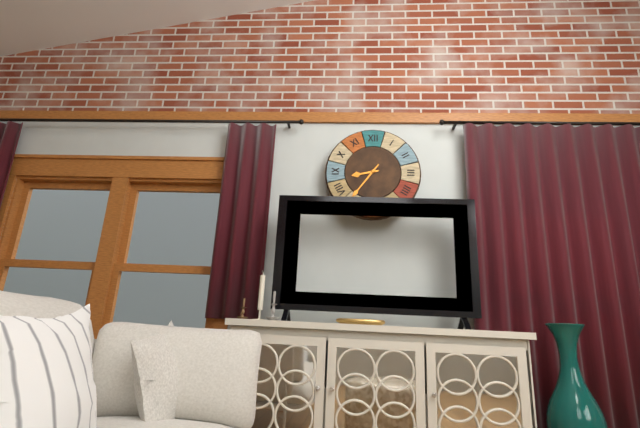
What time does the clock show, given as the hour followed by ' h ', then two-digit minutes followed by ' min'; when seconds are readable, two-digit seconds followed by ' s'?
8 h 36 min
